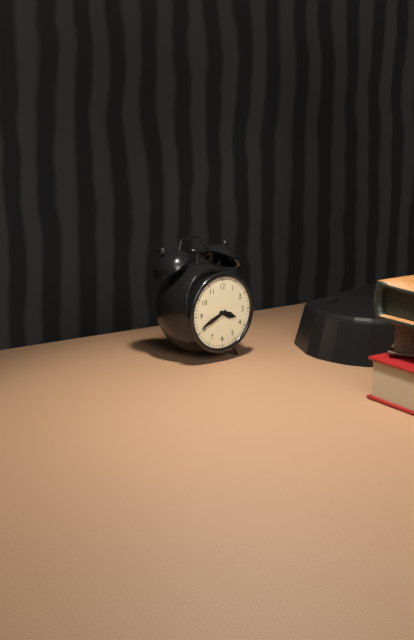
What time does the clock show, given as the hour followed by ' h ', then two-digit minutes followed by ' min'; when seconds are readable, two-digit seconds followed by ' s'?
3 h 41 min
